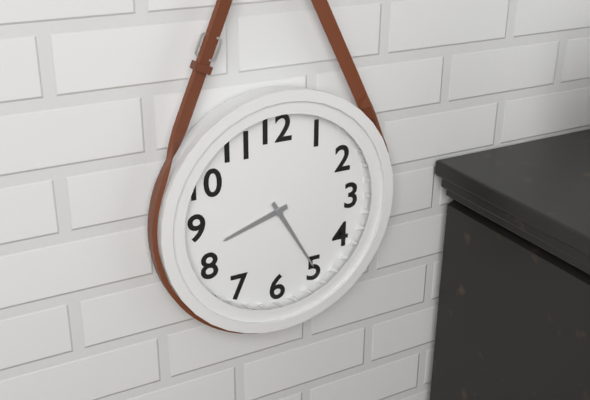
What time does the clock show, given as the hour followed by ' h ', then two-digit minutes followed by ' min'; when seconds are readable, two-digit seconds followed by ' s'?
8 h 25 min
